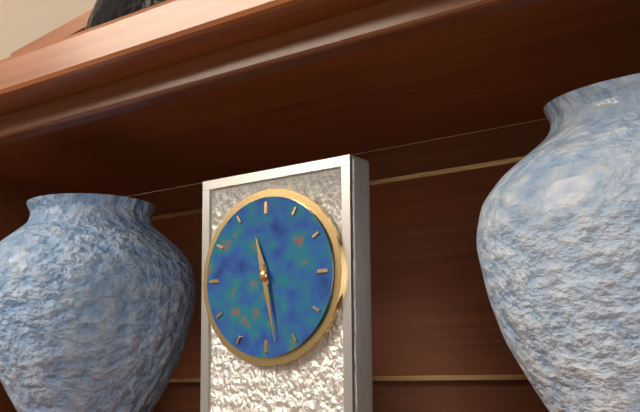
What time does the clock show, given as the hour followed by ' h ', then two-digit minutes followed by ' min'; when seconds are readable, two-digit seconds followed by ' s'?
11 h 28 min
